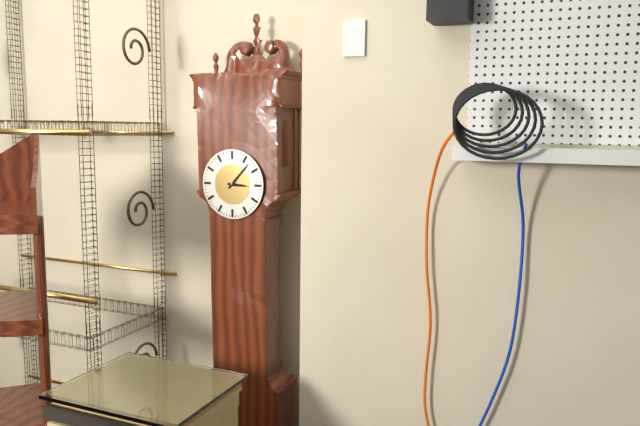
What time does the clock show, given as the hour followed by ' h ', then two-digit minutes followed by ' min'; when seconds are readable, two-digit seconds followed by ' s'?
3 h 07 min
